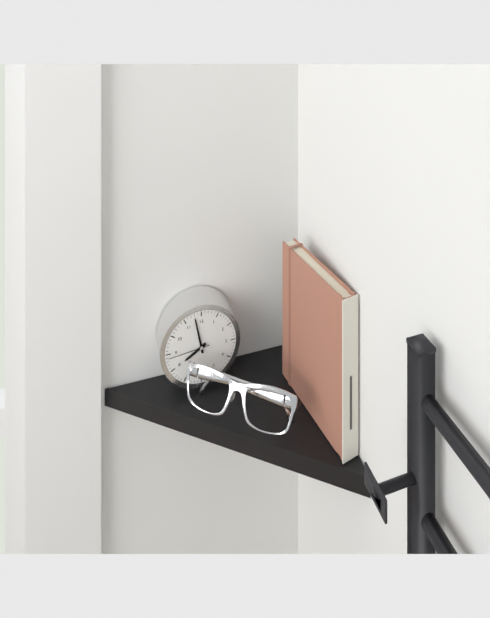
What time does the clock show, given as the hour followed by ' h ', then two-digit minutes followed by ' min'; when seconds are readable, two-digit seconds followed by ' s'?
7 h 58 min
